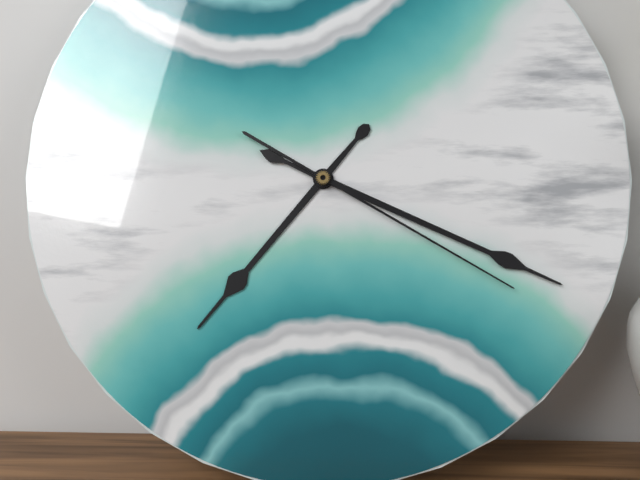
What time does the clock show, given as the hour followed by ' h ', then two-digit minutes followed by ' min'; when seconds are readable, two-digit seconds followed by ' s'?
7 h 19 min 20 s
